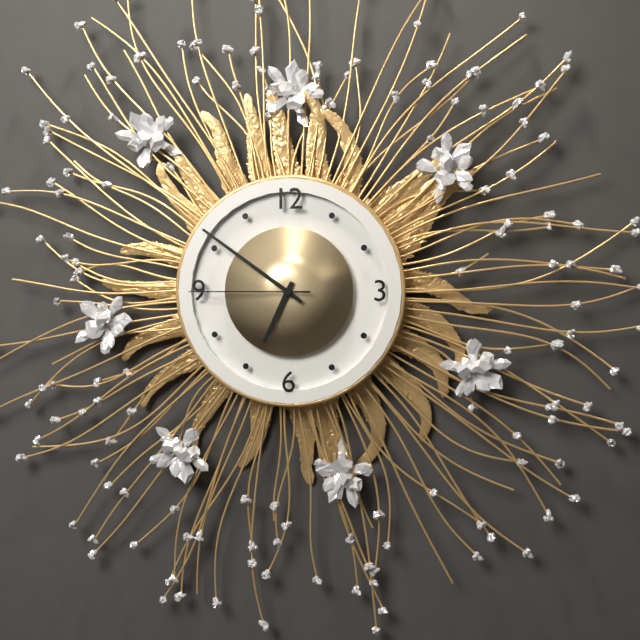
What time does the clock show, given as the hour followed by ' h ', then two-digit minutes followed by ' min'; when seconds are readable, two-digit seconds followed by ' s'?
6 h 51 min 45 s
